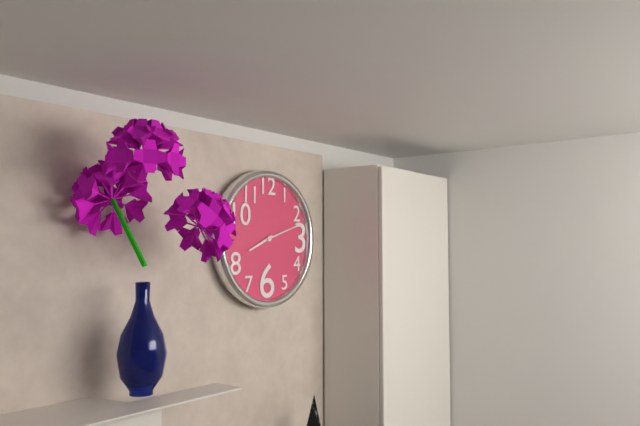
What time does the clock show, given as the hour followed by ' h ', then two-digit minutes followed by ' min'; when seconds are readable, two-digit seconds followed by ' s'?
8 h 12 min
